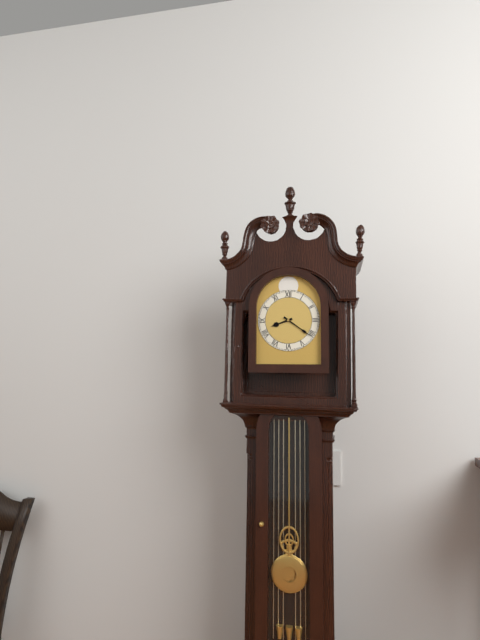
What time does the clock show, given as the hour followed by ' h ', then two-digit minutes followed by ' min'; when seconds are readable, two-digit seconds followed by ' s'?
8 h 21 min
